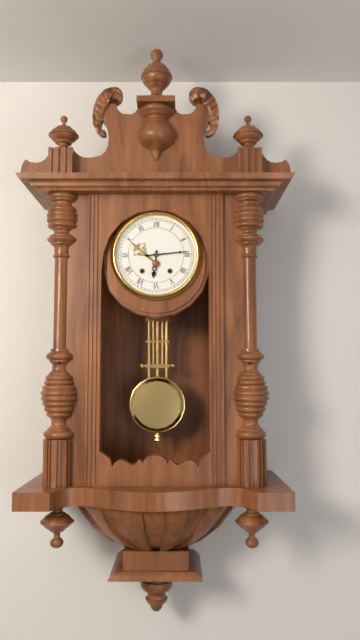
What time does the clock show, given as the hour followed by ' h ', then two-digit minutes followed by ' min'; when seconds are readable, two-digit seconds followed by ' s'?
6 h 14 min
